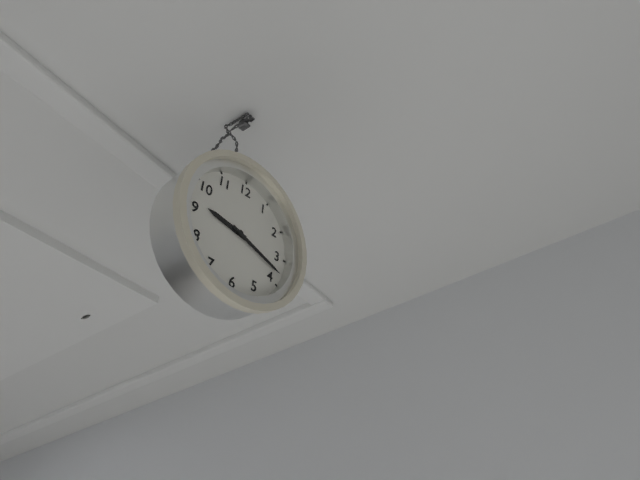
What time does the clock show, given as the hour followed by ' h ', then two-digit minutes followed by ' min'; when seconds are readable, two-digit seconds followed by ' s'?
9 h 18 min
